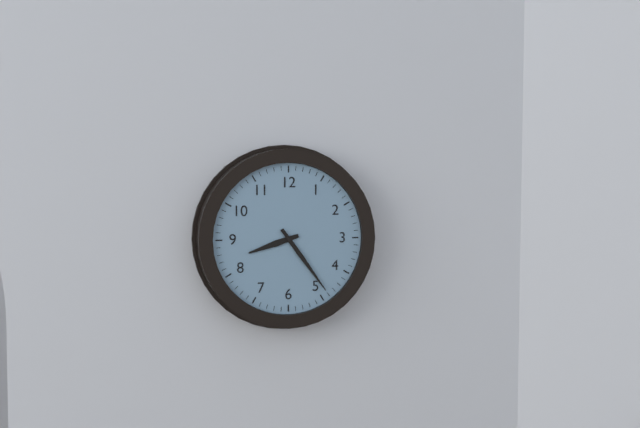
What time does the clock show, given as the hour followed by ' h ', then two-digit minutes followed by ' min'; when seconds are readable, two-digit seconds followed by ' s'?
8 h 24 min
